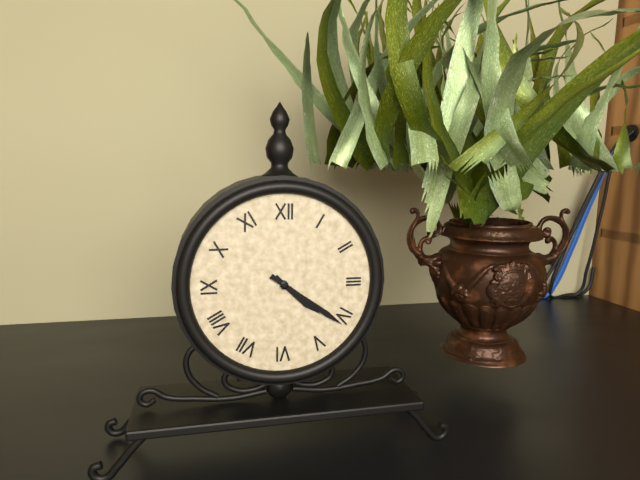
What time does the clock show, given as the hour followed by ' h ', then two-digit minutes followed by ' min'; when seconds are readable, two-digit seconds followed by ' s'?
4 h 21 min
